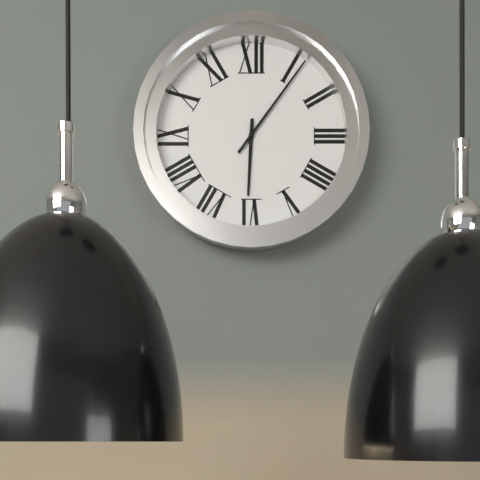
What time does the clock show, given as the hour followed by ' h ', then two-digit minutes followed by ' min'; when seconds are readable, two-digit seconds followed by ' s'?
6 h 06 min
